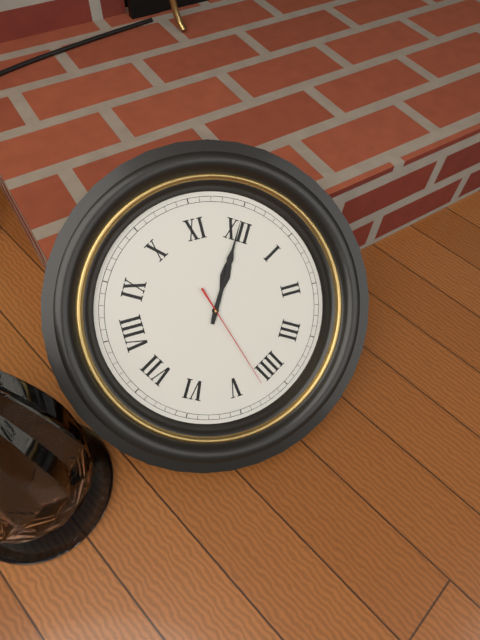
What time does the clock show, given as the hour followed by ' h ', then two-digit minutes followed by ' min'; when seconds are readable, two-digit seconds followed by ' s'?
12 h 00 min 22 s
